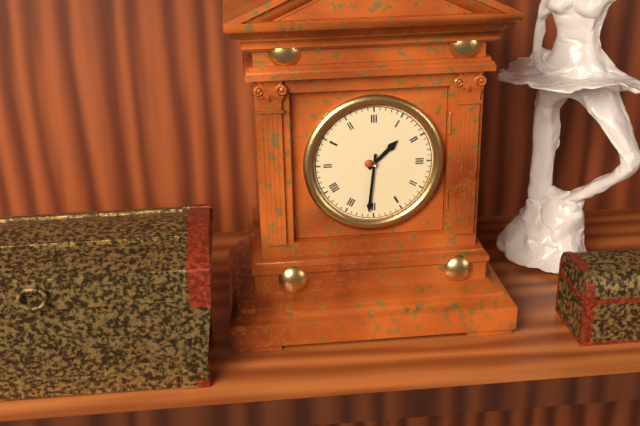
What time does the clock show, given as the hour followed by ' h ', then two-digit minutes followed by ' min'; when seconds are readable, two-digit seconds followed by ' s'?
1 h 31 min
